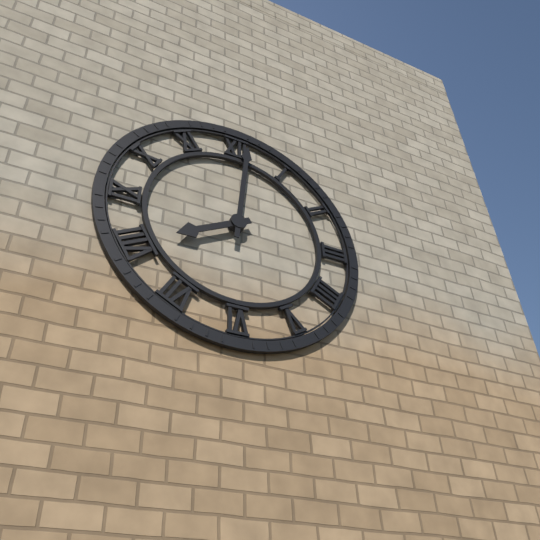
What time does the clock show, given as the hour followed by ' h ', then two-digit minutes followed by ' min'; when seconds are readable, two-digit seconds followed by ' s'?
8 h 01 min
